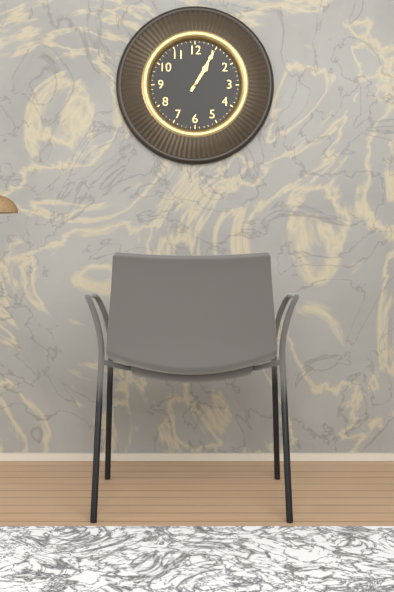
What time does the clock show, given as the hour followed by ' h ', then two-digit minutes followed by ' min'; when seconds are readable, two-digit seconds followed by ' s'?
1 h 05 min
